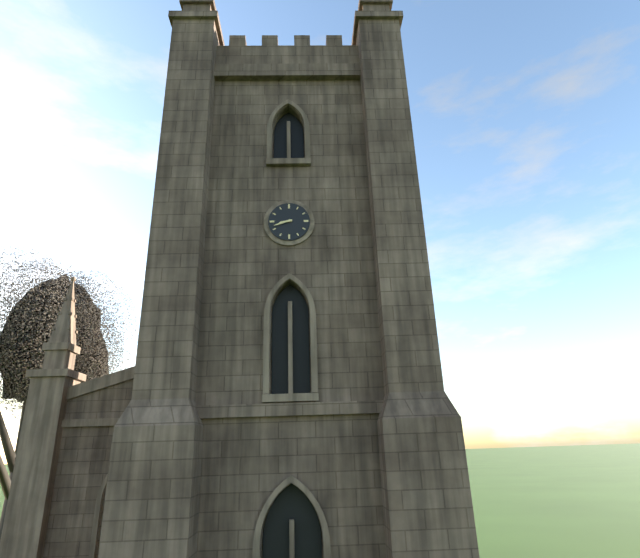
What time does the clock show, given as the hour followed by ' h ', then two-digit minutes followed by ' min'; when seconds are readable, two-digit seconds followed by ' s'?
8 h 42 min
